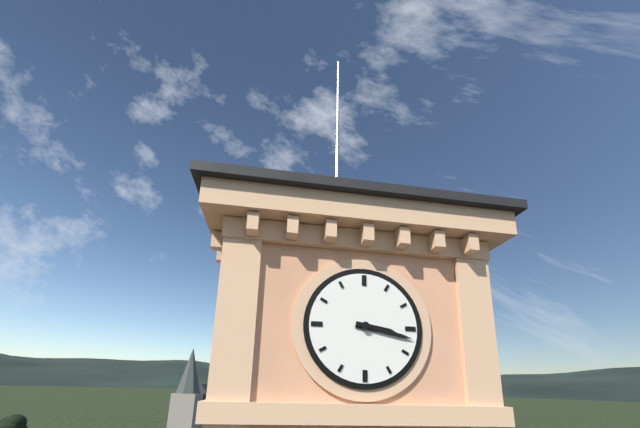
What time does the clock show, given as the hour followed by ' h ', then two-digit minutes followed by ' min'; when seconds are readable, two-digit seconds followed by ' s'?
3 h 17 min
